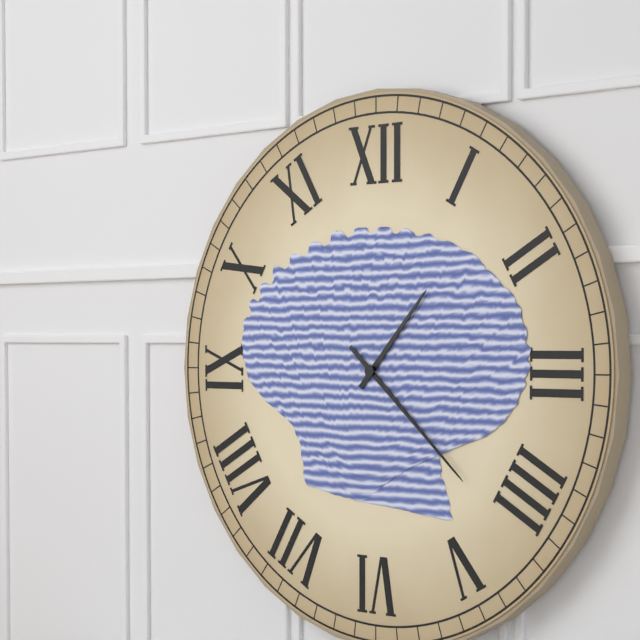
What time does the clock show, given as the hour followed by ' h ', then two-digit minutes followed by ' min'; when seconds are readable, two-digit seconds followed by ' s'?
1 h 22 min
